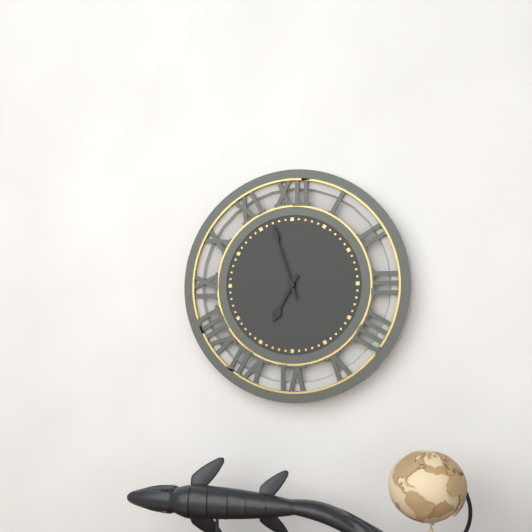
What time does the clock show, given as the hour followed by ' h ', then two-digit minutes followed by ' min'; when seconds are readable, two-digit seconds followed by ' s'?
6 h 57 min
